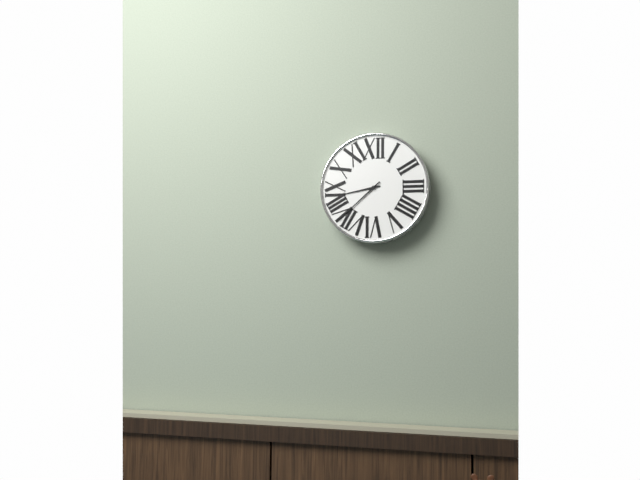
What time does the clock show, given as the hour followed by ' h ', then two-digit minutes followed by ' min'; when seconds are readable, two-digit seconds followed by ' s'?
8 h 38 min
